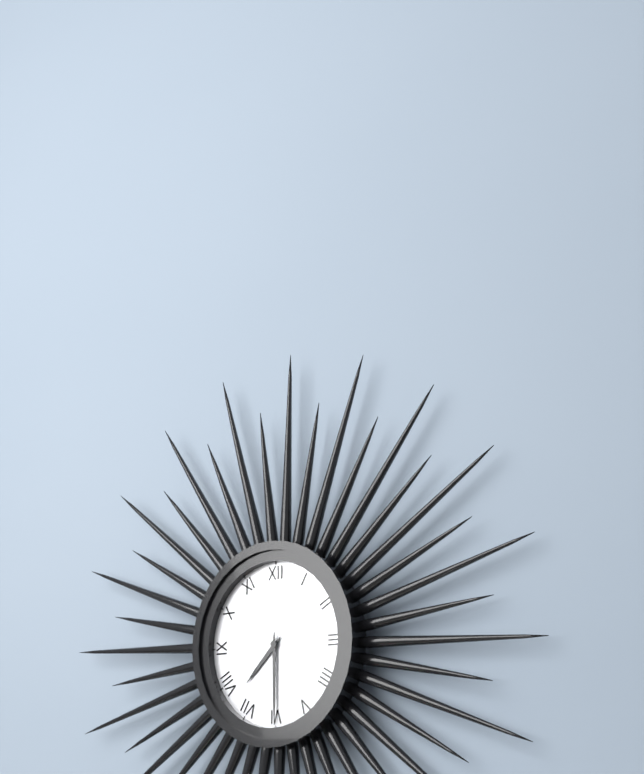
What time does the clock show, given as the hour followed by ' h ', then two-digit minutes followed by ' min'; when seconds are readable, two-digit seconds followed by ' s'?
7 h 30 min
